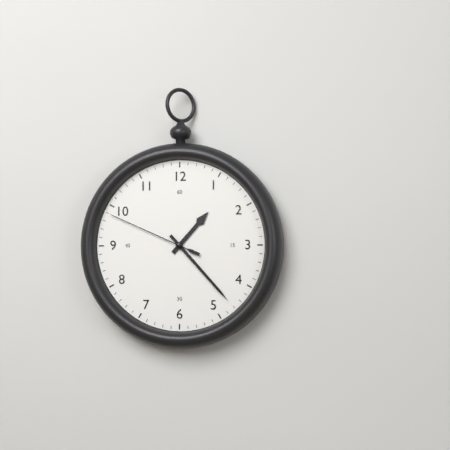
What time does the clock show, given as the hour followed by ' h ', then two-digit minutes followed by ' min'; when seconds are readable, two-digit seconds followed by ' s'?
1 h 23 min 49 s
